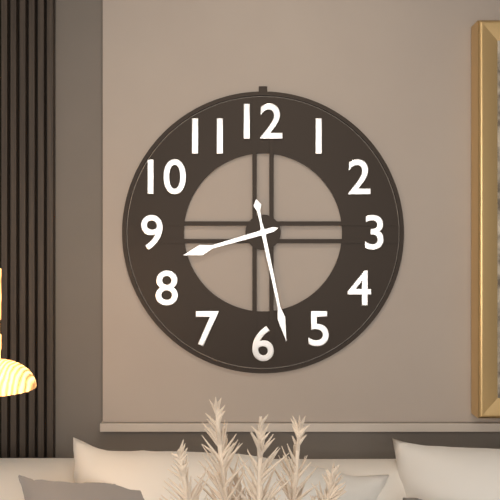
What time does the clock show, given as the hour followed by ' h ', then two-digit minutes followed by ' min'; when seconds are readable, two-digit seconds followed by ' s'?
8 h 28 min
